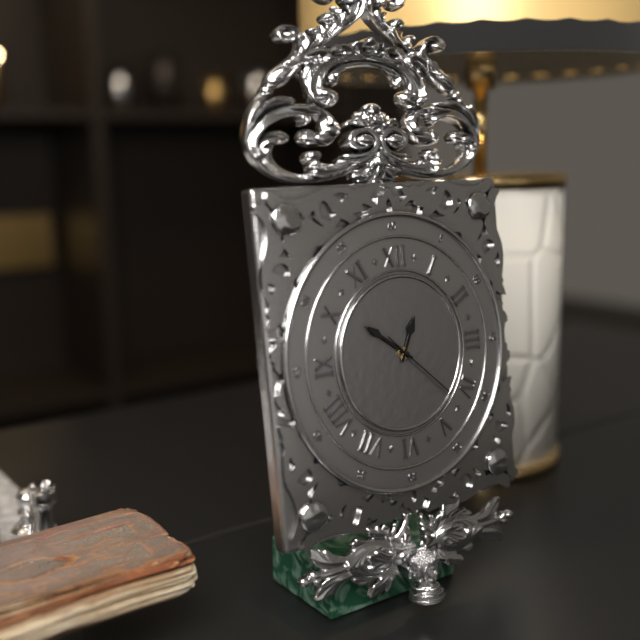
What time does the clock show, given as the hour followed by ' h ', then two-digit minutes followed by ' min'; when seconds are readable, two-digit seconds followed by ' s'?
12 h 51 min 22 s
